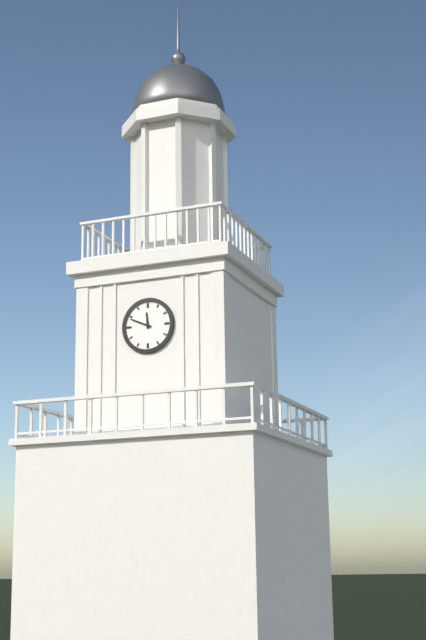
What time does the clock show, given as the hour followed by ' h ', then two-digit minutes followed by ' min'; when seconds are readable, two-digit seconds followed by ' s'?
11 h 49 min
